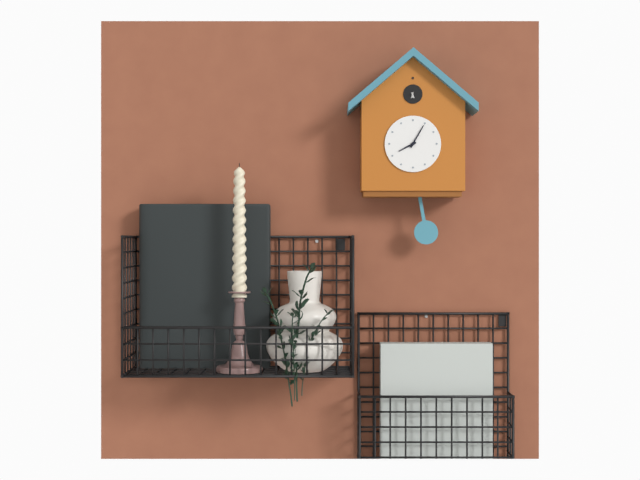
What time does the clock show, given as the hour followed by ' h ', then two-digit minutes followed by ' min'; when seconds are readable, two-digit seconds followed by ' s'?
8 h 05 min
